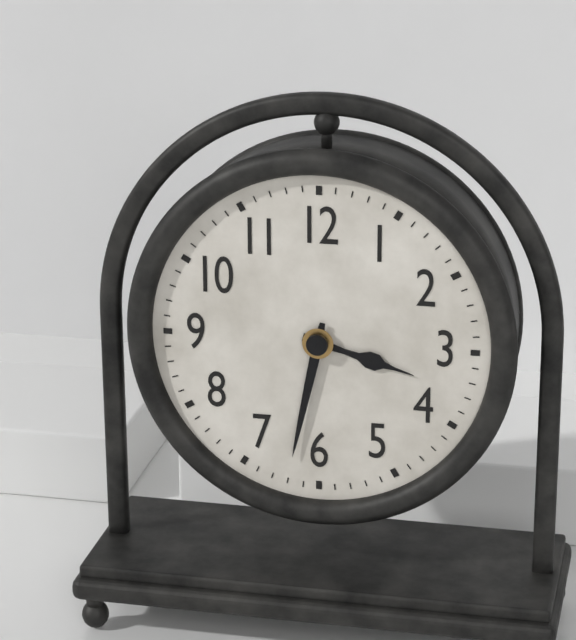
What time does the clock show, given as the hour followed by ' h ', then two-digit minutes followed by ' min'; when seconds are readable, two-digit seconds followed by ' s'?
3 h 32 min
